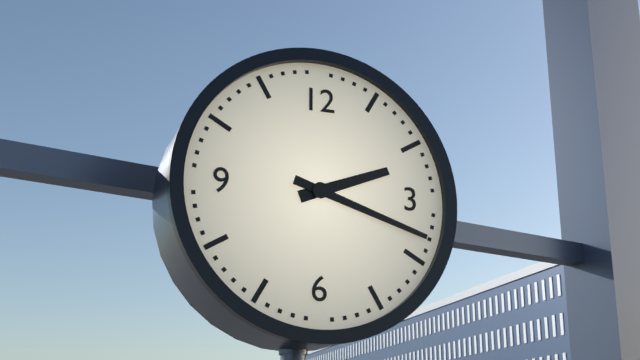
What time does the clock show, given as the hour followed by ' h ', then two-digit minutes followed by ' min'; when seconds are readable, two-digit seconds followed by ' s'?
2 h 18 min
